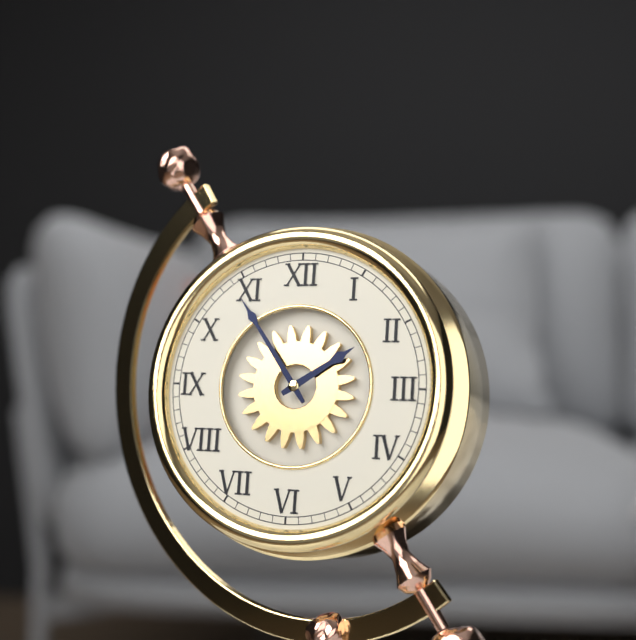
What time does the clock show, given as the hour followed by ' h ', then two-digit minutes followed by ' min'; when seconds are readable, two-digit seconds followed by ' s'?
1 h 54 min
